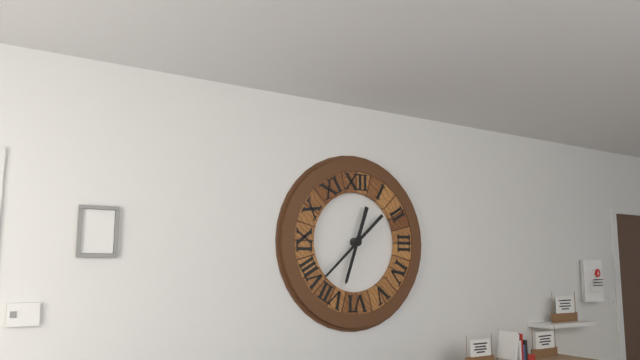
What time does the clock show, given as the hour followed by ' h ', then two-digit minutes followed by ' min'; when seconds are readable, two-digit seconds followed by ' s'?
6 h 38 min
